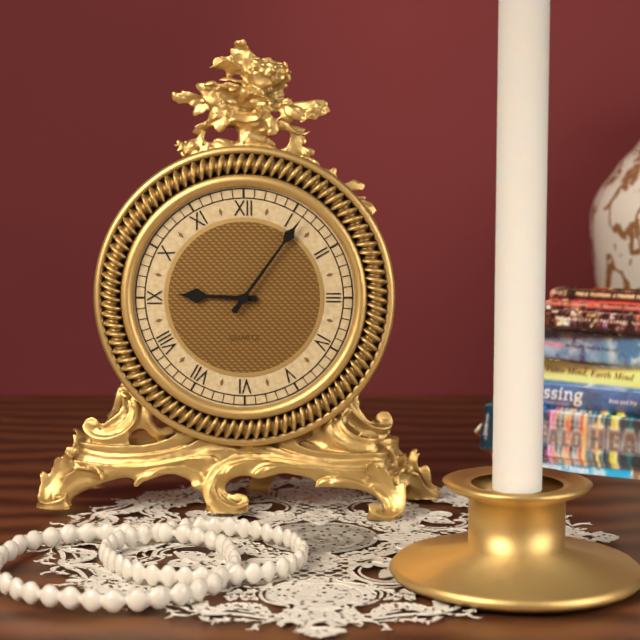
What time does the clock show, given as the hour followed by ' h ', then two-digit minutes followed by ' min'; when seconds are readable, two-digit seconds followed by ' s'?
9 h 06 min
